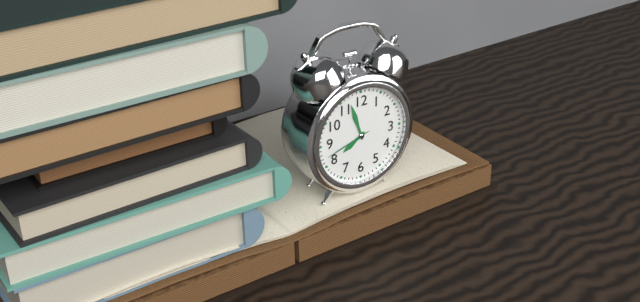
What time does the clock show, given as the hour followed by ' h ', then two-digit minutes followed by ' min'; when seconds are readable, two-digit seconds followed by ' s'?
7 h 57 min 42 s
